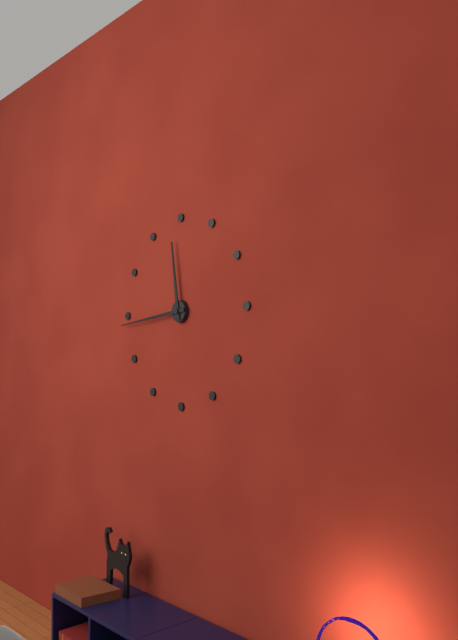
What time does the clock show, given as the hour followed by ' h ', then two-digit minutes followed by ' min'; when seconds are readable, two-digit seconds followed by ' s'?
11 h 44 min
